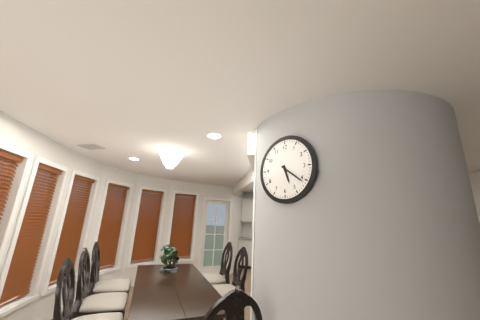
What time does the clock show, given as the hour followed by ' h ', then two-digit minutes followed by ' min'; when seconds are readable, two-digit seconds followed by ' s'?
5 h 21 min
